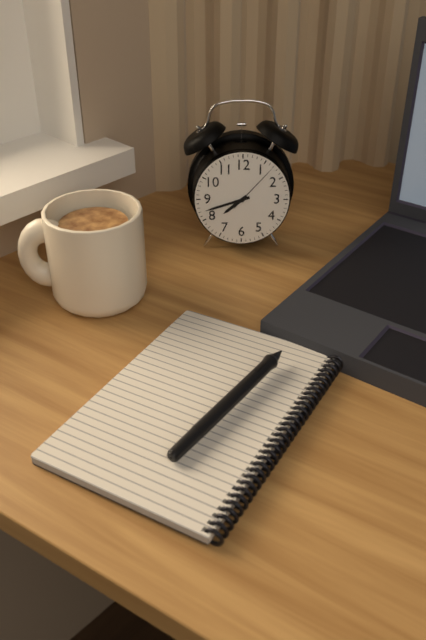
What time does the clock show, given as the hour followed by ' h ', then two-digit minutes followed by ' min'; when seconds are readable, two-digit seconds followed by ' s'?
7 h 42 min 07 s
